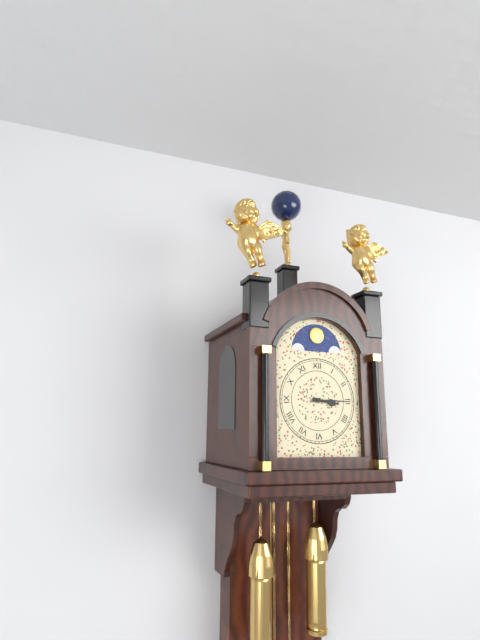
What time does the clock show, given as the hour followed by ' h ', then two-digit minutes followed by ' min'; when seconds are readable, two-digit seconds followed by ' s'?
3 h 15 min
